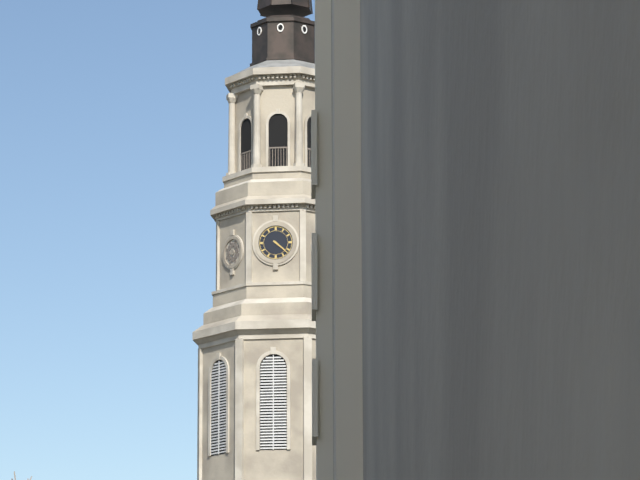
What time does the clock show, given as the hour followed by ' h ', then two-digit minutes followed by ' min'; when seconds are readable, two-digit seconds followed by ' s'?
4 h 22 min
